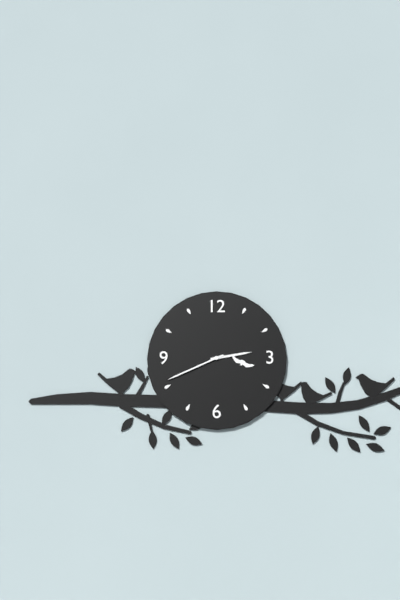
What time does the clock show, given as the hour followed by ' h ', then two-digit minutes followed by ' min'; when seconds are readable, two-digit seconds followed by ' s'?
2 h 41 min
